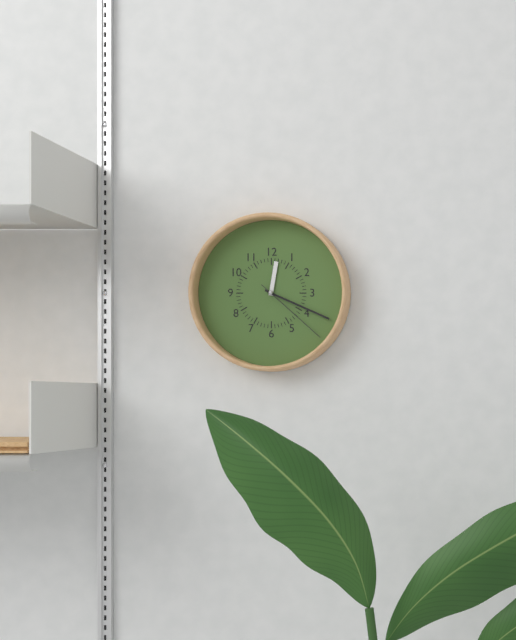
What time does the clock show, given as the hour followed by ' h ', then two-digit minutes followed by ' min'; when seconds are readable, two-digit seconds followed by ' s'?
12 h 19 min 22 s
